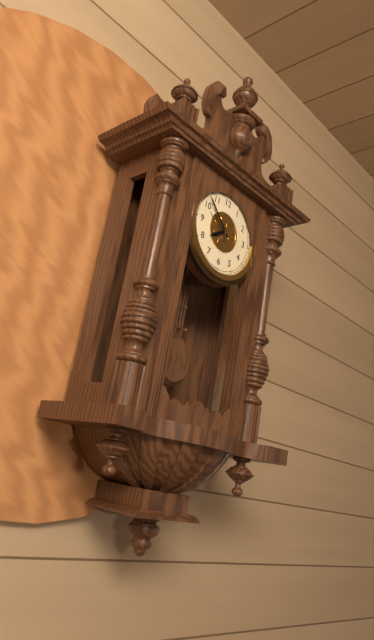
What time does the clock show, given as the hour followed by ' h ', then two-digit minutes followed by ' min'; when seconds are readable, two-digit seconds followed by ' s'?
7 h 52 min
